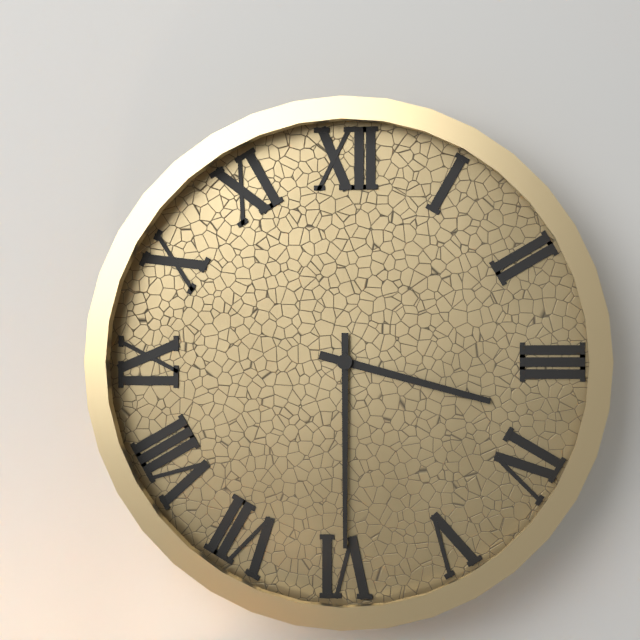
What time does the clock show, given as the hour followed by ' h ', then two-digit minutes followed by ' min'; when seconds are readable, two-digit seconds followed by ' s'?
3 h 30 min
